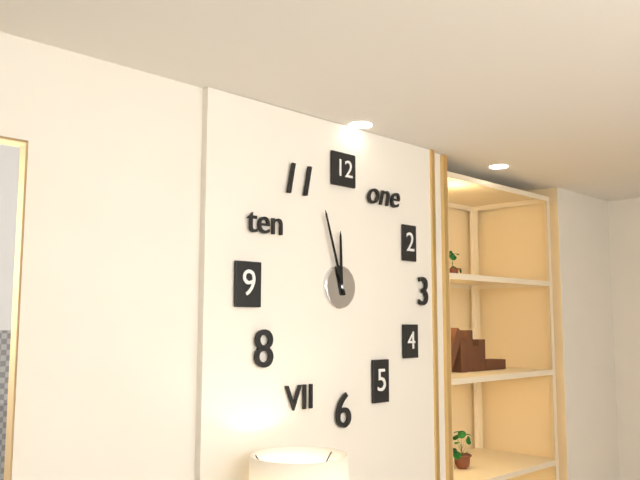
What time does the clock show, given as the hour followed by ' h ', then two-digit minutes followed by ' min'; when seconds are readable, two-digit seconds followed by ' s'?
11 h 57 min
